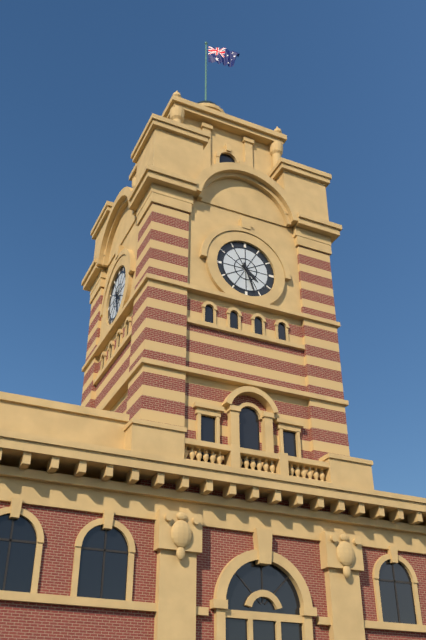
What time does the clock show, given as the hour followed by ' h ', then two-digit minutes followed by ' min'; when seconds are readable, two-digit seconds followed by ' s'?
4 h 27 min
